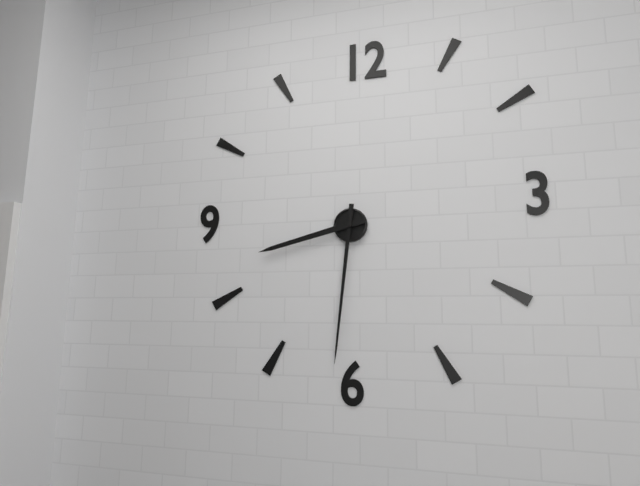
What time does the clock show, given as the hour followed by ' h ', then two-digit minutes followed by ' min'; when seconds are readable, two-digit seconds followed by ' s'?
8 h 31 min
